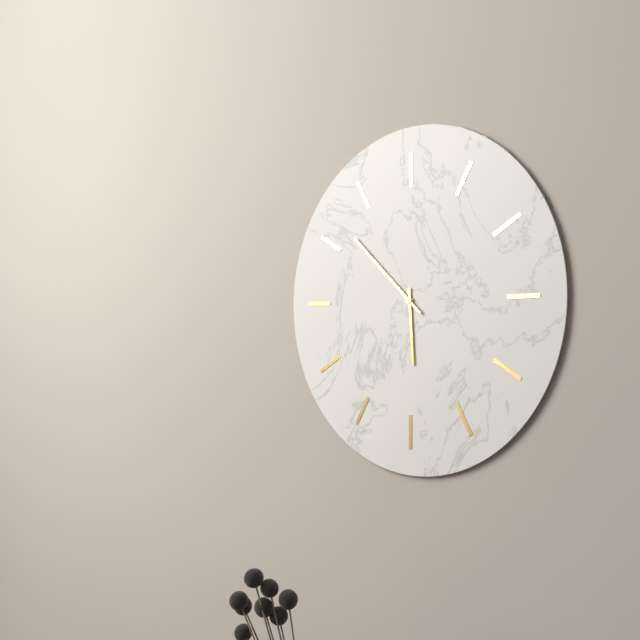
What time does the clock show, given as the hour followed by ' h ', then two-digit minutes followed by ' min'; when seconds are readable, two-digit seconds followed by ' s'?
5 h 52 min
